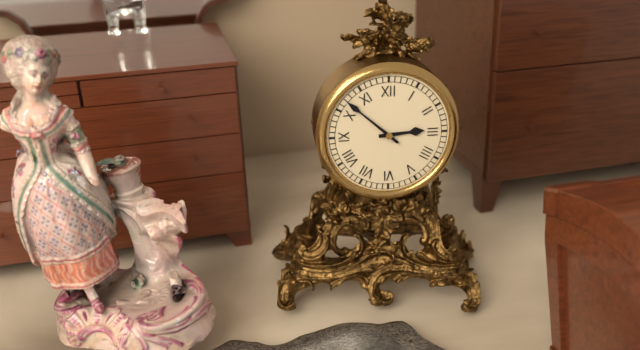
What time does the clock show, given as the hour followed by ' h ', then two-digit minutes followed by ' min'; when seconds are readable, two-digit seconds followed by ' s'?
2 h 52 min
